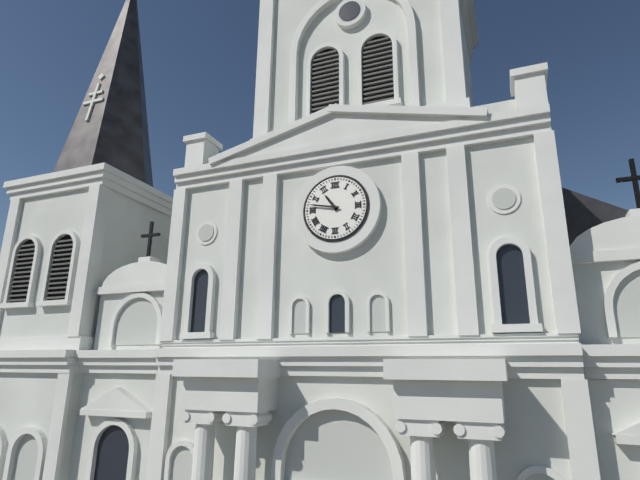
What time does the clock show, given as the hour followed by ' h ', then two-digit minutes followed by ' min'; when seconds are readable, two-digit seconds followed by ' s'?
10 h 47 min
